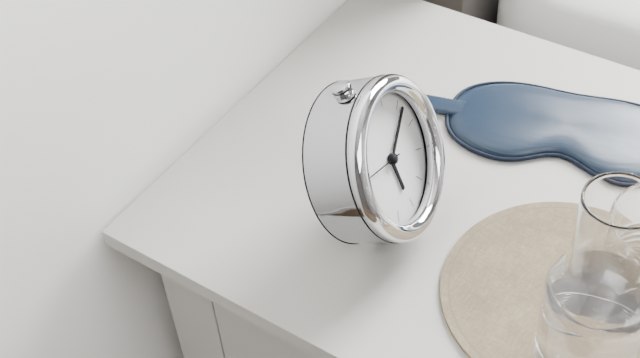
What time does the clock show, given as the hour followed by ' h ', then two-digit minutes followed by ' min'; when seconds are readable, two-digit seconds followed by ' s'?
6 h 11 min 48 s
